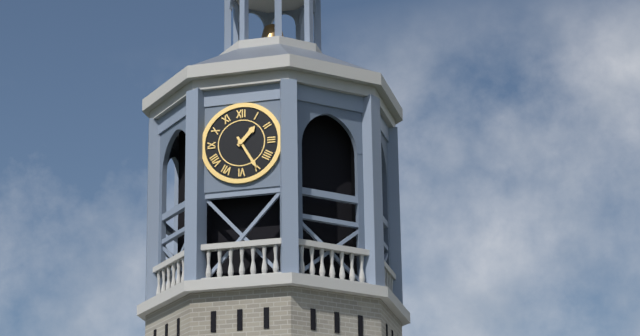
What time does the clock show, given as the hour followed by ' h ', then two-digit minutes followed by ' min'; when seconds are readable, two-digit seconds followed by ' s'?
1 h 25 min
